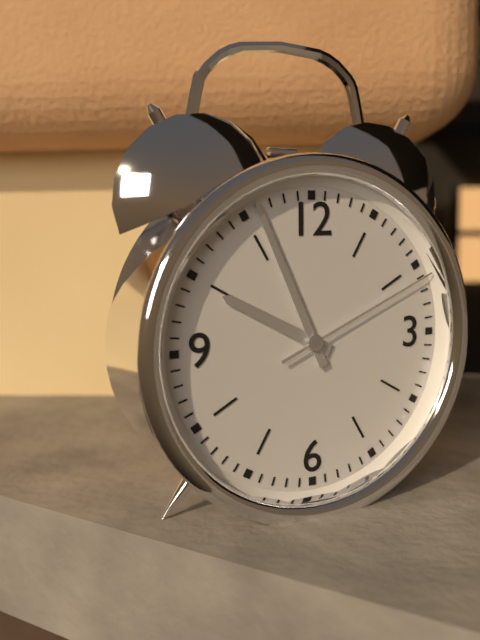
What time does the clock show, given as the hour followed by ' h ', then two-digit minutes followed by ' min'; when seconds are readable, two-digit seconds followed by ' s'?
9 h 56 min 11 s
